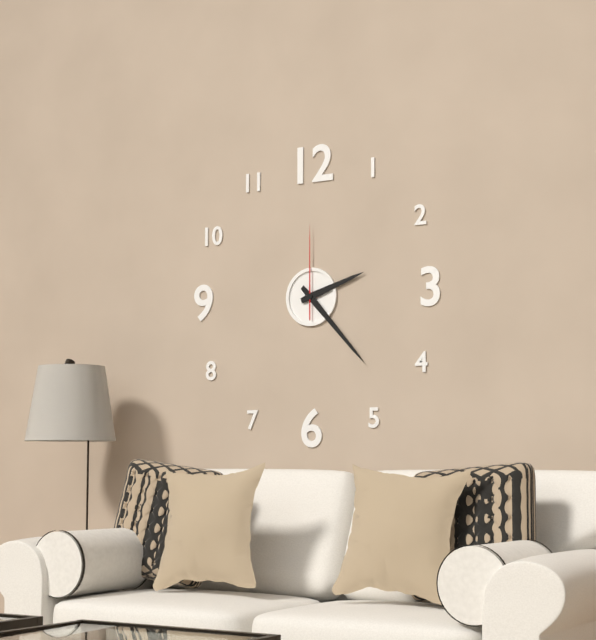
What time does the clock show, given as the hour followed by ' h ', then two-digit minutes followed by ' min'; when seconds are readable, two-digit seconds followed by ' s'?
2 h 23 min 00 s
